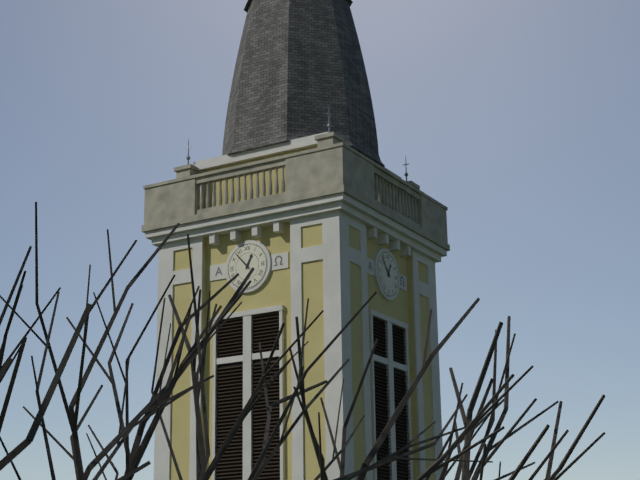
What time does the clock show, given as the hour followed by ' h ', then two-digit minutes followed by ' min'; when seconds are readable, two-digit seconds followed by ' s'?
12 h 53 min
